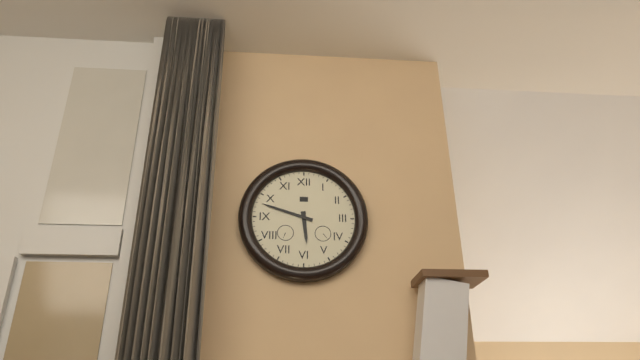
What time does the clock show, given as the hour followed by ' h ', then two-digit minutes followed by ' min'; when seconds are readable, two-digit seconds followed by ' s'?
5 h 48 min
